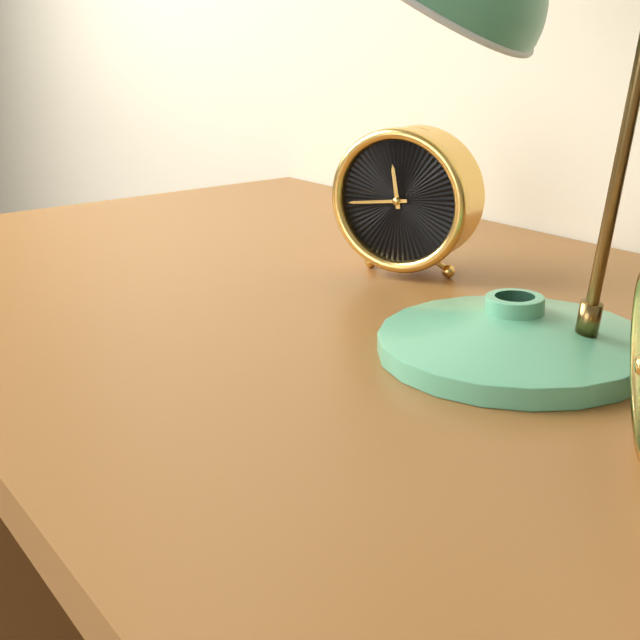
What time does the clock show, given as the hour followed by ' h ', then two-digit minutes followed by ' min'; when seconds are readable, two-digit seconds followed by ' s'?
11 h 44 min
